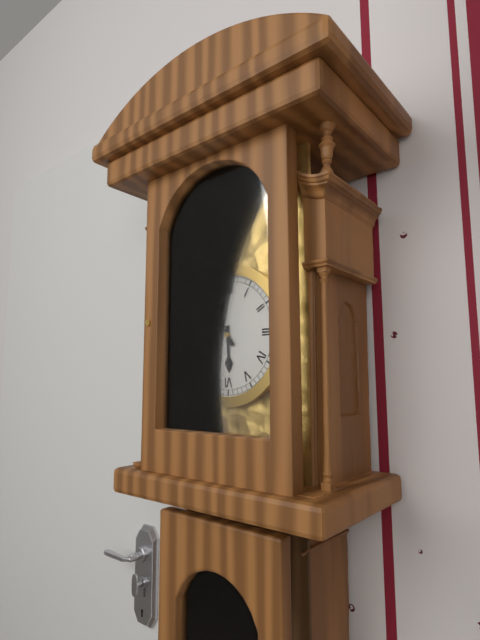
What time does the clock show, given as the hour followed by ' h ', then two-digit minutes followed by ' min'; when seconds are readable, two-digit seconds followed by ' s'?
5 h 54 min
